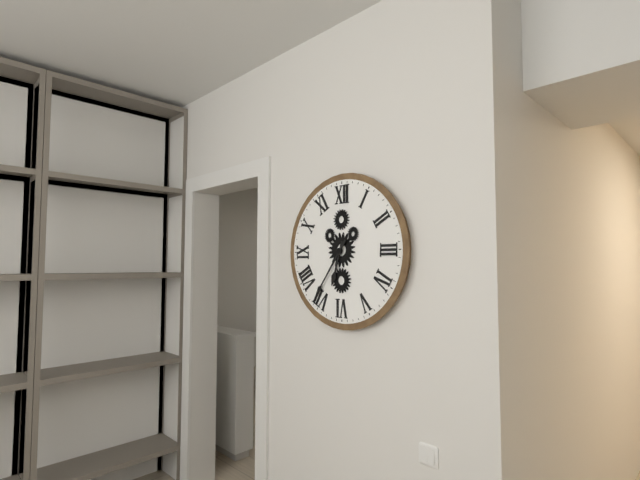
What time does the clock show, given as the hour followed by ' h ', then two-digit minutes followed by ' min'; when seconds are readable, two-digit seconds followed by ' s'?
6 h 36 min
